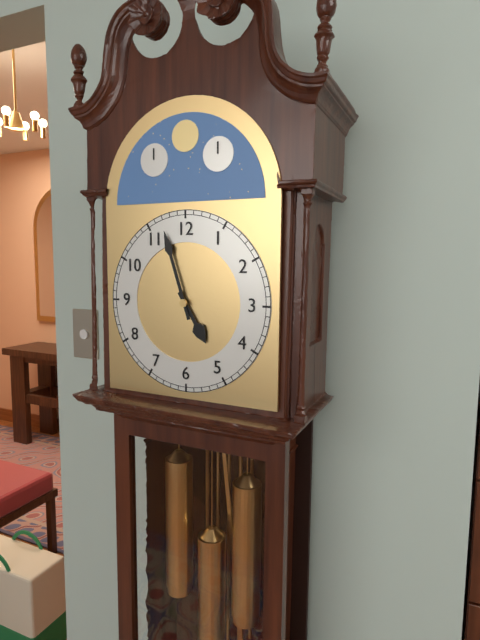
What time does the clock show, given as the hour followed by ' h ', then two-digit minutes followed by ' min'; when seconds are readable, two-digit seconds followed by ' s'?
4 h 57 min
